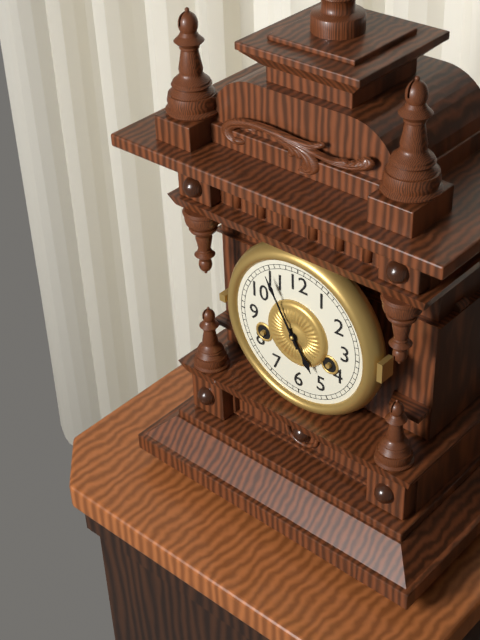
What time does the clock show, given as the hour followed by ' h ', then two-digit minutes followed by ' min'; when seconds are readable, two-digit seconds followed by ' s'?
4 h 55 min
